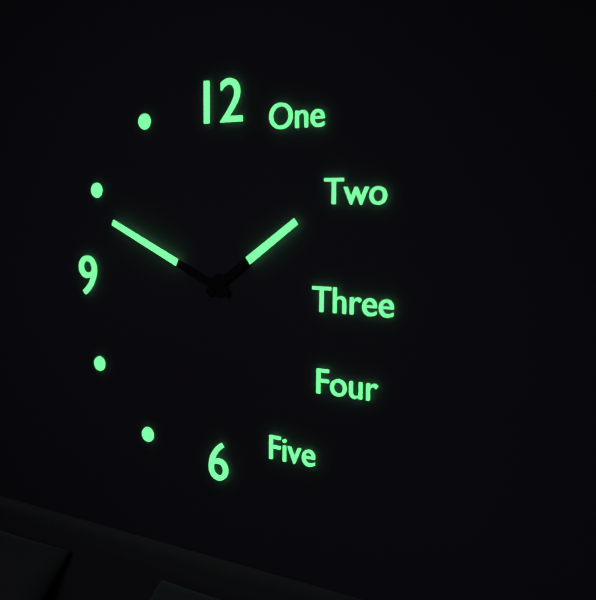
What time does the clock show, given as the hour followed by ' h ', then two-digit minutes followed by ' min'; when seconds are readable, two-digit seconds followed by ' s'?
1 h 49 min
